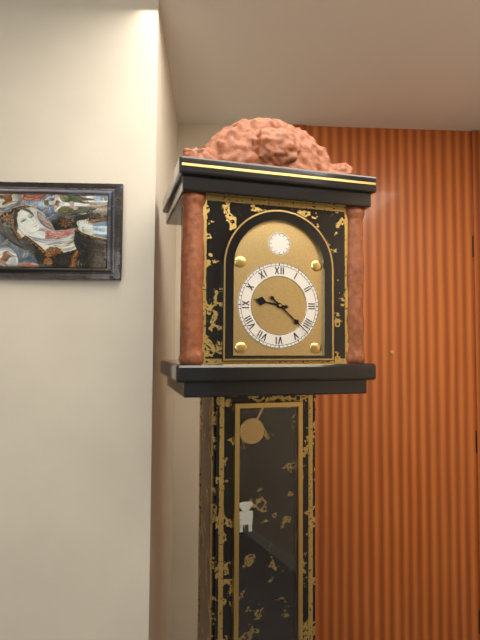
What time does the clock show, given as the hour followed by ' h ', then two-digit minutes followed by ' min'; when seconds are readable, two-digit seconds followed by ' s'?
9 h 22 min
